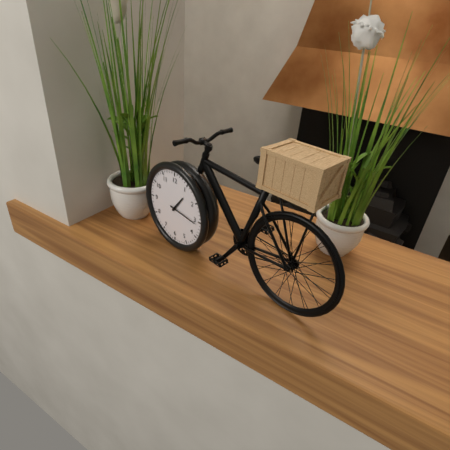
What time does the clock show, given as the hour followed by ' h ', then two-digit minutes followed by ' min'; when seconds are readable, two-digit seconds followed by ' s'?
1 h 16 min
